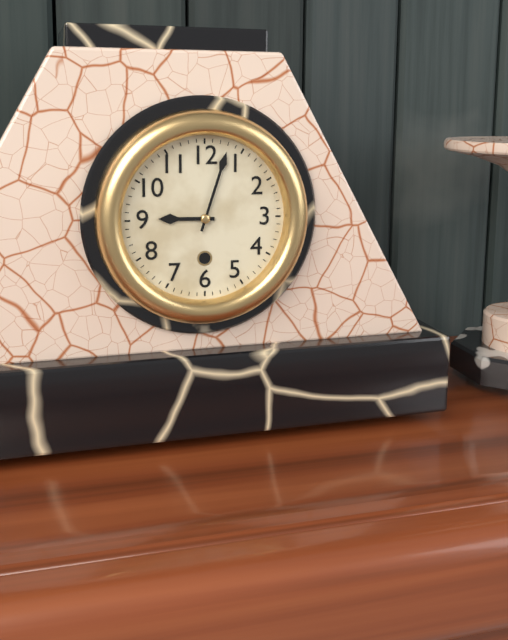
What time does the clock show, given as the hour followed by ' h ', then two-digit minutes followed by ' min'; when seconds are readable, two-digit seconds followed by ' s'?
9 h 03 min
